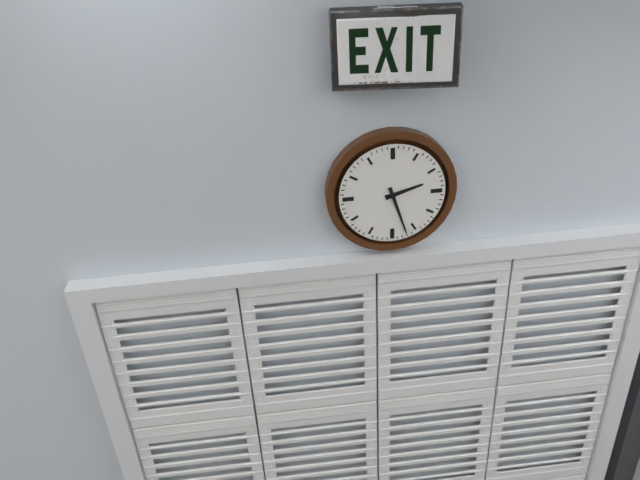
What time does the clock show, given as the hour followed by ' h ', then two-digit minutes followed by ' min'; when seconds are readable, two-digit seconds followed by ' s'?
2 h 27 min
